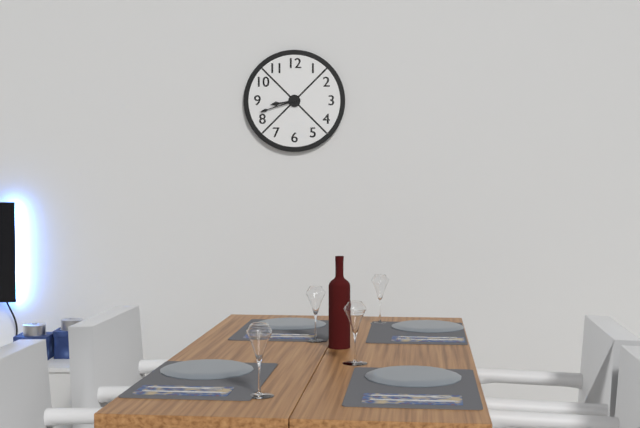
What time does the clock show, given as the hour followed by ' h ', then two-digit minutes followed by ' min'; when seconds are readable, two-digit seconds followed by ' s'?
8 h 42 min
